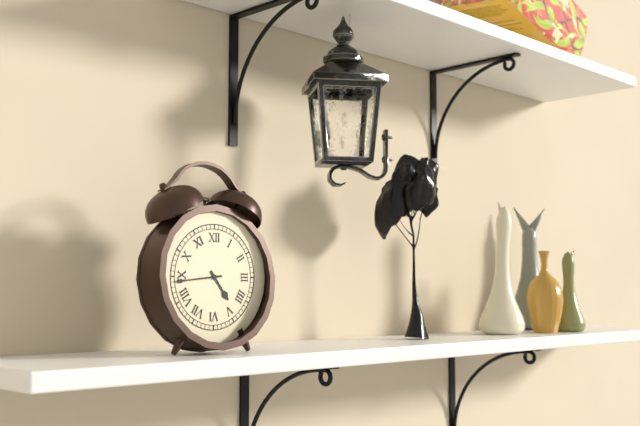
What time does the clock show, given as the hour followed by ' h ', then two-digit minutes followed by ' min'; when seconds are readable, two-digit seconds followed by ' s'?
4 h 44 min
